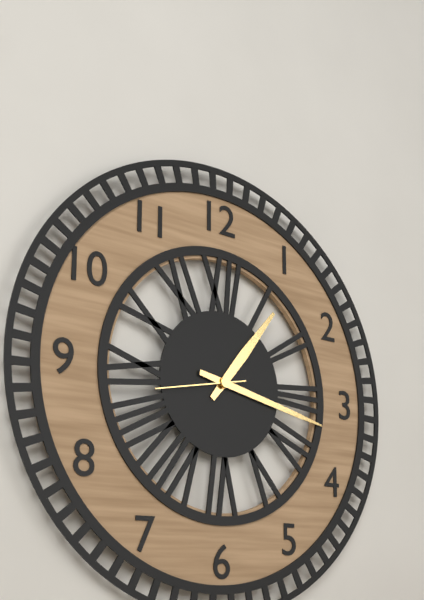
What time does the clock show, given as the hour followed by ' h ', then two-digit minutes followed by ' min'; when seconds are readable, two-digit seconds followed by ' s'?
1 h 17 min 43 s
